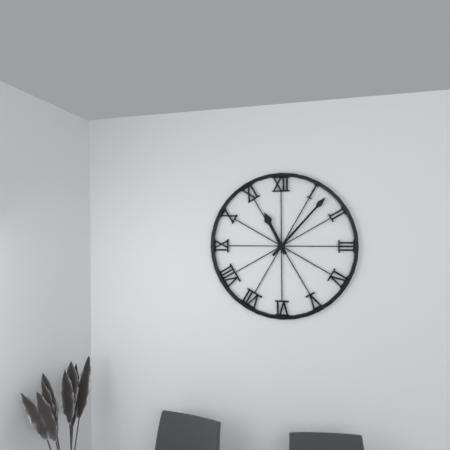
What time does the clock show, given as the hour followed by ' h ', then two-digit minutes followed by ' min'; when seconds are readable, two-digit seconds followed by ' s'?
11 h 07 min
